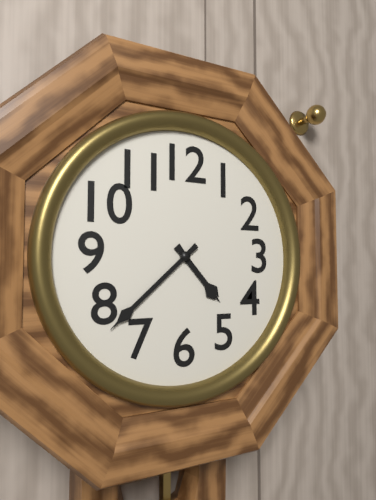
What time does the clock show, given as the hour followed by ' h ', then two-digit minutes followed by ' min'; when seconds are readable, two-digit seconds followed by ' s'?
4 h 38 min
